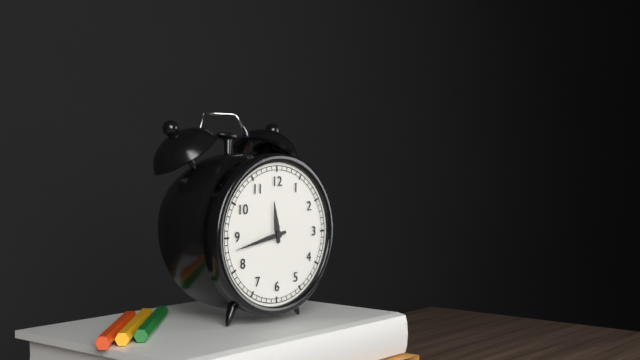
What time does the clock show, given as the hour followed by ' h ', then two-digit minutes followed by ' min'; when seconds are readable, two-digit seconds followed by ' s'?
11 h 43 min
